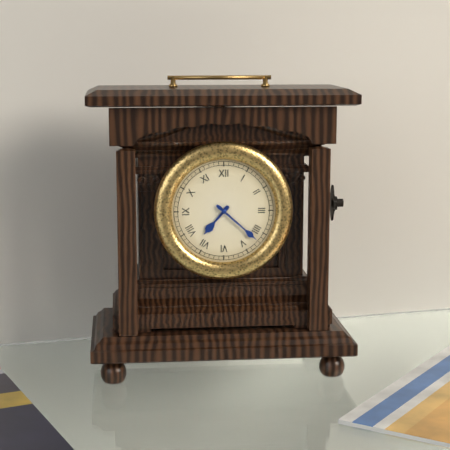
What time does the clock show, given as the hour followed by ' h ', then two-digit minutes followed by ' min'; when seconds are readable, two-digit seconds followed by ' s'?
7 h 22 min
